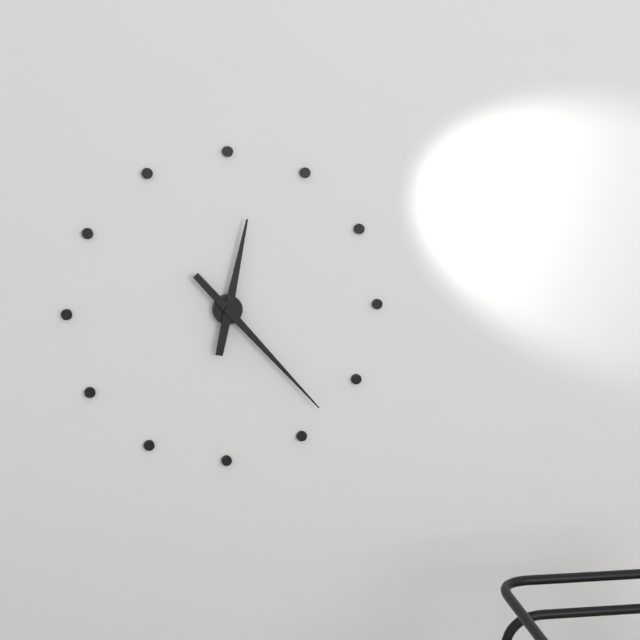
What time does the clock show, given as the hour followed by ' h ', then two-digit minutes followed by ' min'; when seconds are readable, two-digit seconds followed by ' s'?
12 h 23 min
